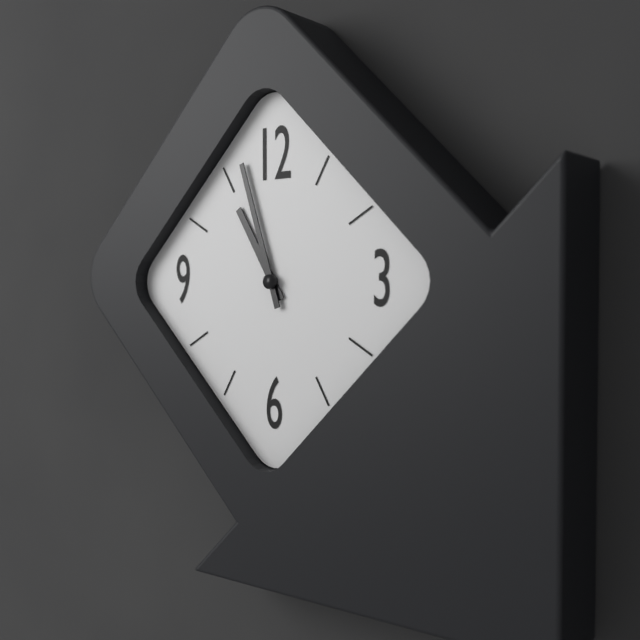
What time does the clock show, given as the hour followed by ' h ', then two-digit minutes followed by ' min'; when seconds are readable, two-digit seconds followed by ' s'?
10 h 57 min
